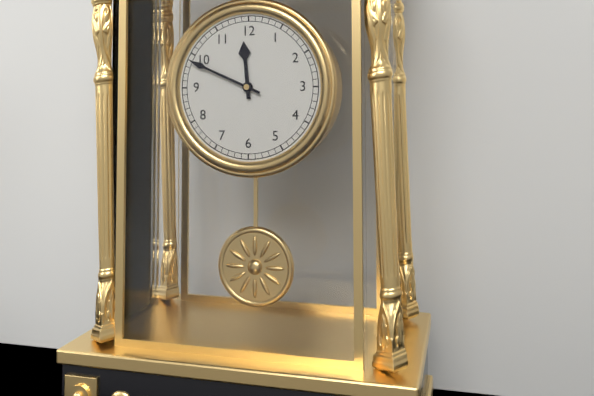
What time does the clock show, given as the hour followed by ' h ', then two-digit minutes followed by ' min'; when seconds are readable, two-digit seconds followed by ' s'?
11 h 49 min
